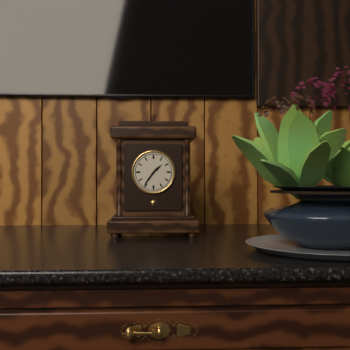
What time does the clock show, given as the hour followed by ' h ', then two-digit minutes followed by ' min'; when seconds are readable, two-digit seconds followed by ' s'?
1 h 36 min
